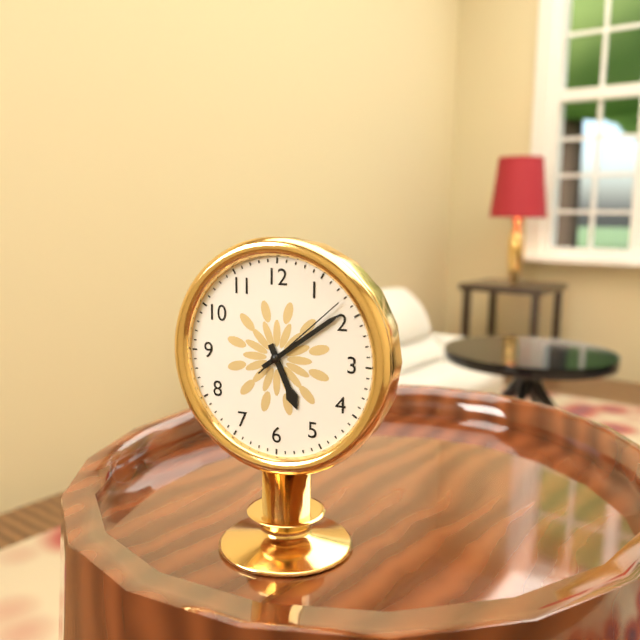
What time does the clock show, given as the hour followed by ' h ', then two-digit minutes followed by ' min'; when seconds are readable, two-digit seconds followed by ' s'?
5 h 09 min 08 s
